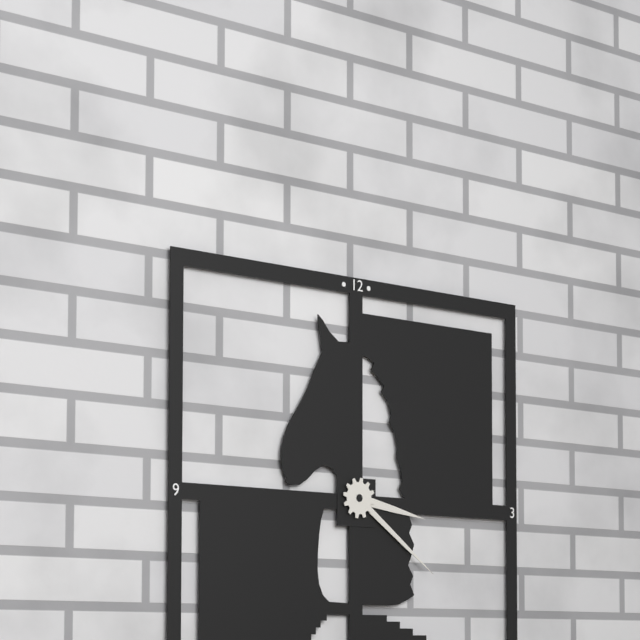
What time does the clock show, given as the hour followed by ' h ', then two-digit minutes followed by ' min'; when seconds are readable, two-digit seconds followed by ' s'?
3 h 21 min
